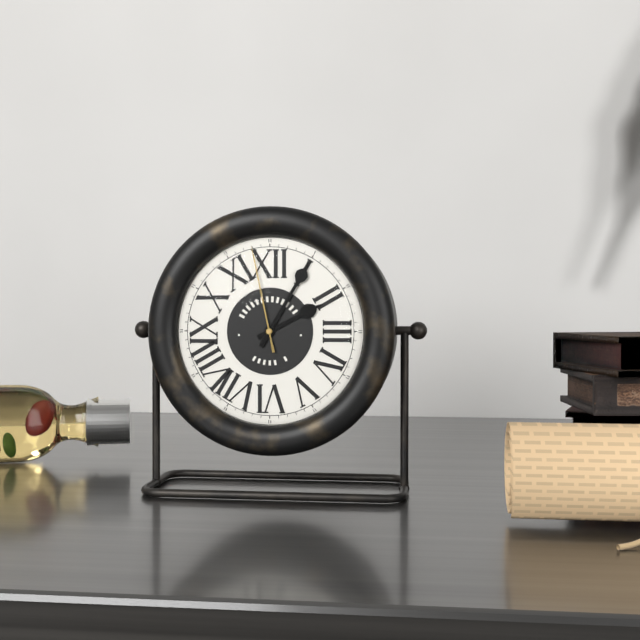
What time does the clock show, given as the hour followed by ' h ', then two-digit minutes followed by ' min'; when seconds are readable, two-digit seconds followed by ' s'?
2 h 05 min 58 s
